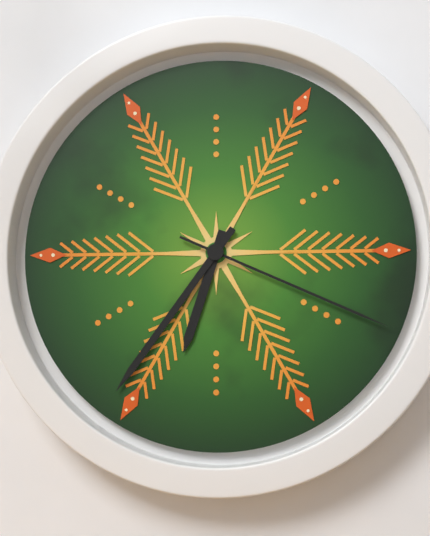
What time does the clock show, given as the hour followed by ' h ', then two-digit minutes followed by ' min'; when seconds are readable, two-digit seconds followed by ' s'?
6 h 36 min 19 s
